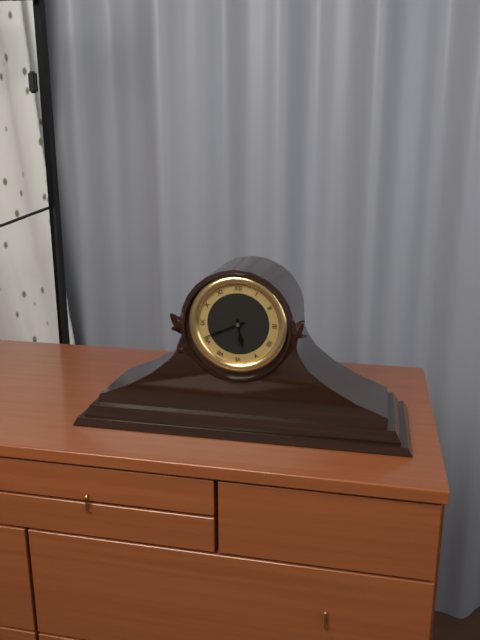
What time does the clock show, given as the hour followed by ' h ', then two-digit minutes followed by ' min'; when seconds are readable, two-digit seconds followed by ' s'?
5 h 41 min
